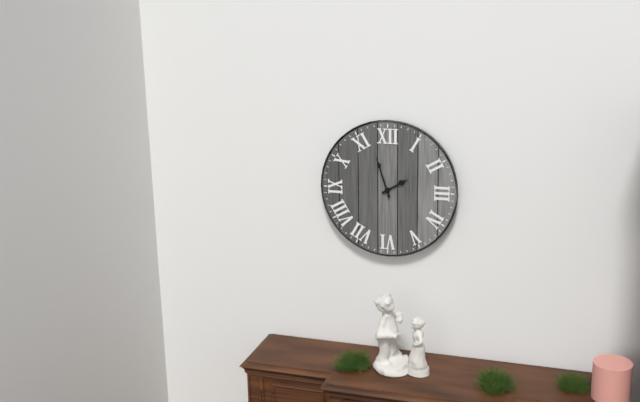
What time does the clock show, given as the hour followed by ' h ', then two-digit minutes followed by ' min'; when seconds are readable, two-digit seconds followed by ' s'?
1 h 57 min
